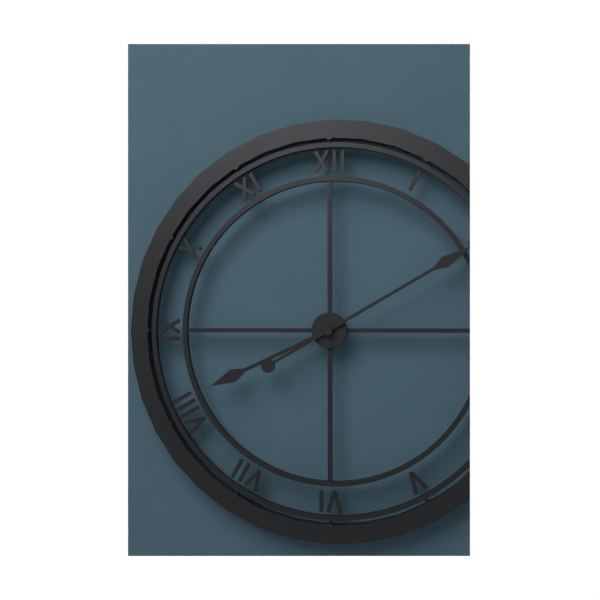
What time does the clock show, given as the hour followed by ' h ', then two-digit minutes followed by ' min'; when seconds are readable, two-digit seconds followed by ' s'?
8 h 10 min
